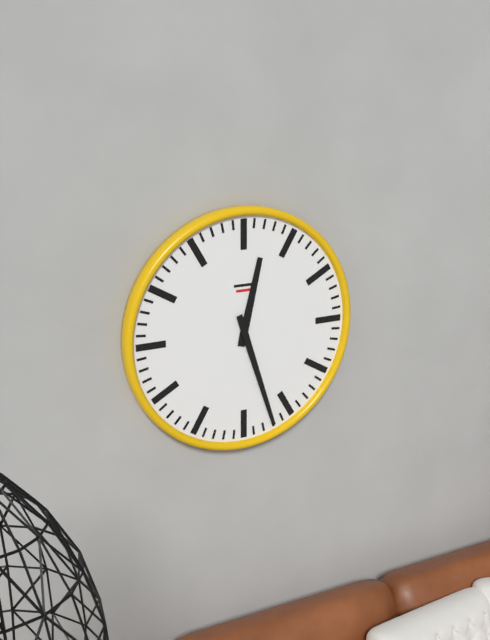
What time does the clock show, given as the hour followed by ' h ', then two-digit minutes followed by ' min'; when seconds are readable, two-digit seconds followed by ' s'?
12 h 27 min
